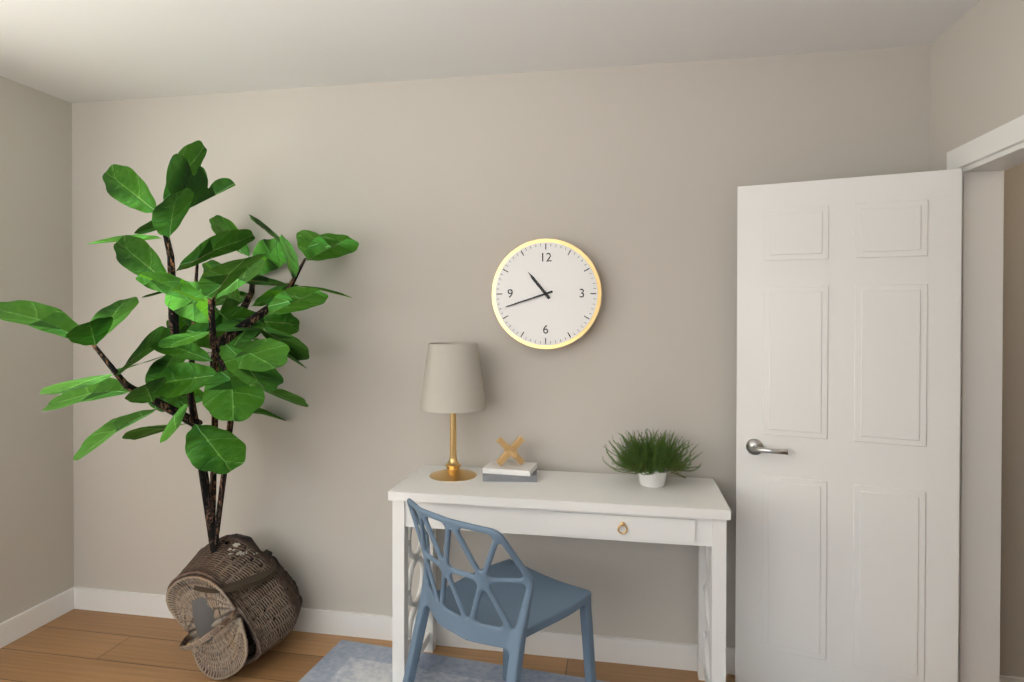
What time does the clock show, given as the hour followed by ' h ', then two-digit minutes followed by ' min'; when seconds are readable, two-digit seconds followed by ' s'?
10 h 42 min
